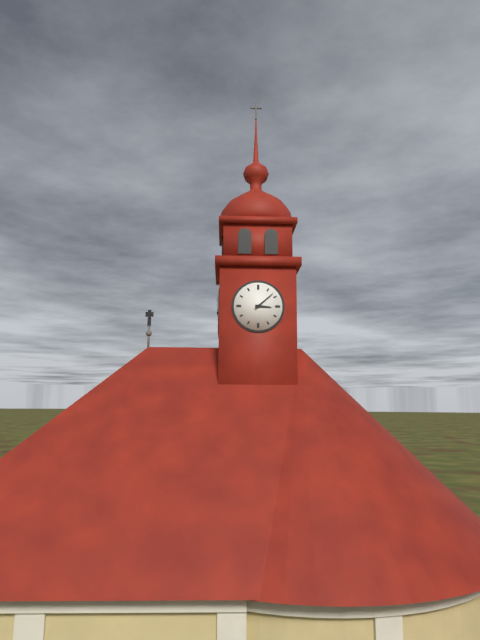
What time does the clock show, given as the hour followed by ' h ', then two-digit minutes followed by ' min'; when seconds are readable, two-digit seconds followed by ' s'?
3 h 08 min
